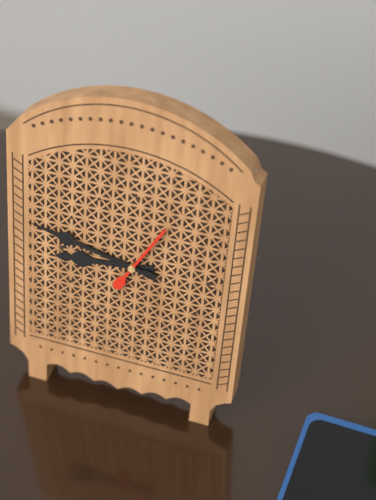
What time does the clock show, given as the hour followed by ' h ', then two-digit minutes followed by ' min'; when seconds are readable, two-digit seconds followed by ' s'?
8 h 47 min 05 s
